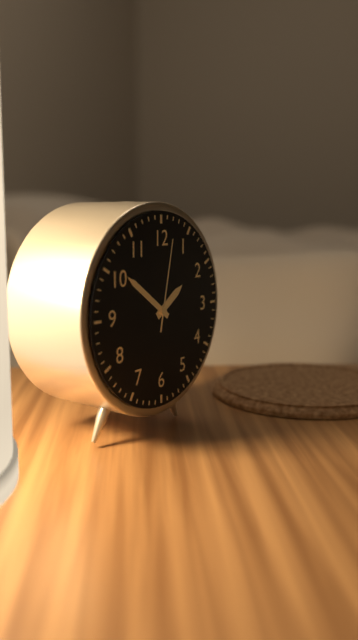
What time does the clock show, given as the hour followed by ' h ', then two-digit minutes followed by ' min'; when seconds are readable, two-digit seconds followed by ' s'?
1 h 51 min 02 s
